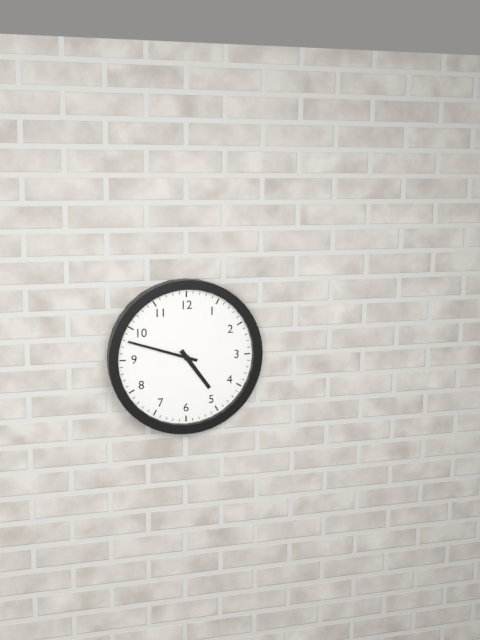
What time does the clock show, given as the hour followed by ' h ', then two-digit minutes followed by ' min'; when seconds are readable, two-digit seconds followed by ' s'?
4 h 48 min
